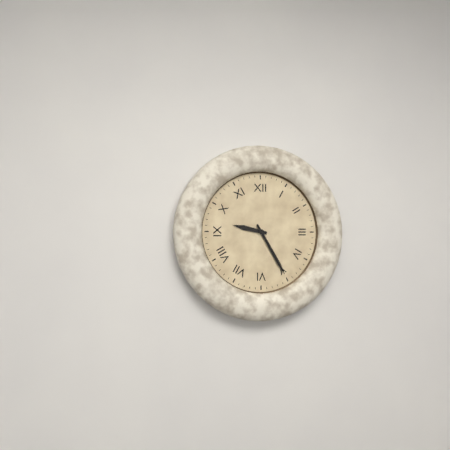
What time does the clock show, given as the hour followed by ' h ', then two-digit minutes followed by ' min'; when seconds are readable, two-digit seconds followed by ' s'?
9 h 25 min
